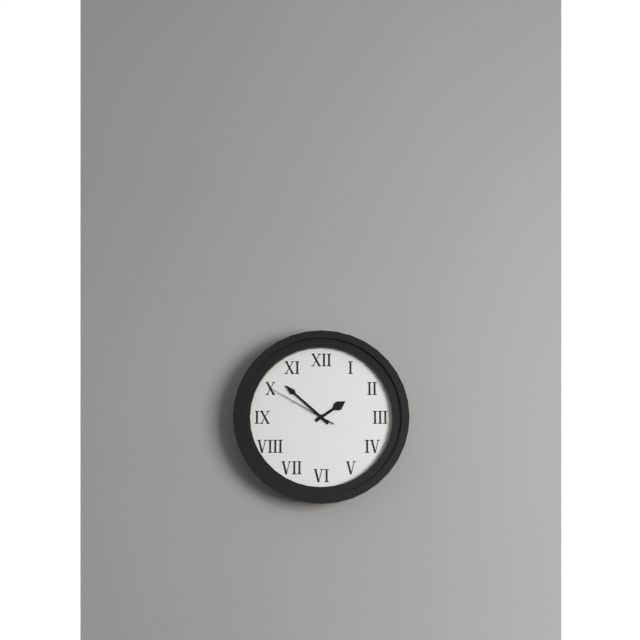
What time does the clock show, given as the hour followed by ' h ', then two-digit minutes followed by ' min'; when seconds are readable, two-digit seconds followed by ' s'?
1 h 52 min 50 s
